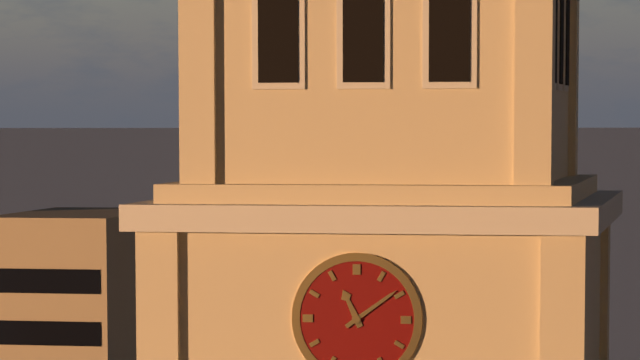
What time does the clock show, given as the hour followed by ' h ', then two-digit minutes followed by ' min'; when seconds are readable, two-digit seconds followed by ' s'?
11 h 09 min
